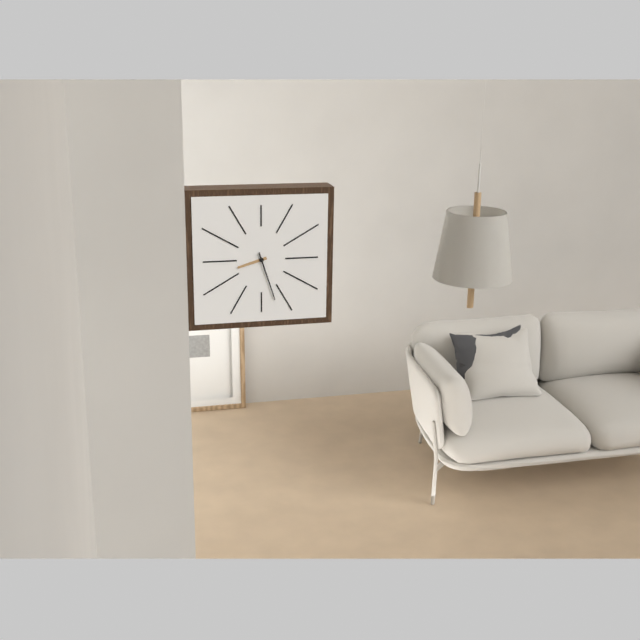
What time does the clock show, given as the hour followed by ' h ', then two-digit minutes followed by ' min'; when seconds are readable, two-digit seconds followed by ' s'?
8 h 27 min
